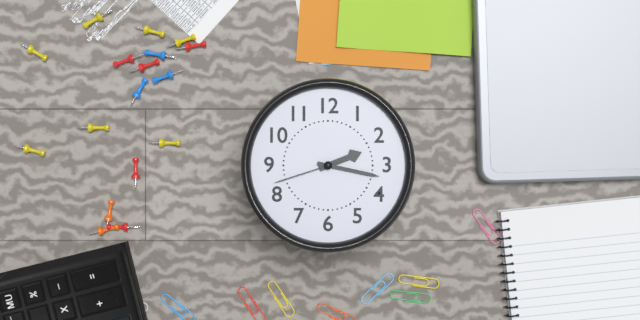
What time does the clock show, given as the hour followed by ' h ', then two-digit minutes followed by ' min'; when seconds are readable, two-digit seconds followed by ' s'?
2 h 17 min 42 s
